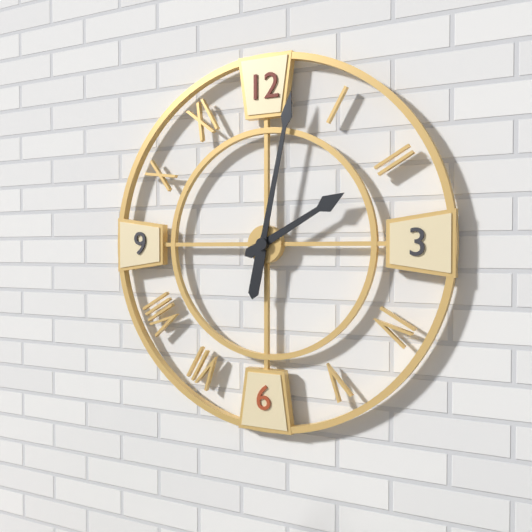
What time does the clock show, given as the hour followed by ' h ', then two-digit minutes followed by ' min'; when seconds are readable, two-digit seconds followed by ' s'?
2 h 02 min
